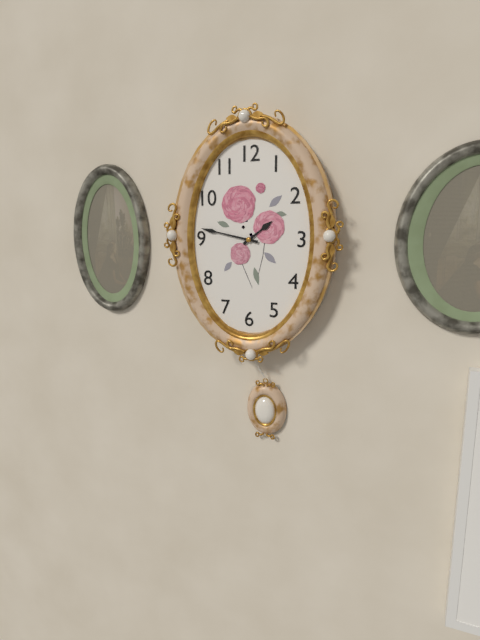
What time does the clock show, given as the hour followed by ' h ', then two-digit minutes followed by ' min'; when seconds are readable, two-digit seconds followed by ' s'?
1 h 47 min
